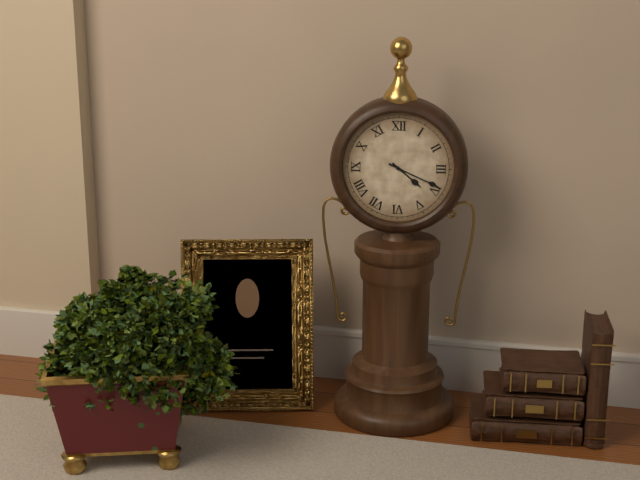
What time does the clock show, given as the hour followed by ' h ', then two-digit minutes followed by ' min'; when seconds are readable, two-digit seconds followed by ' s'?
4 h 19 min
